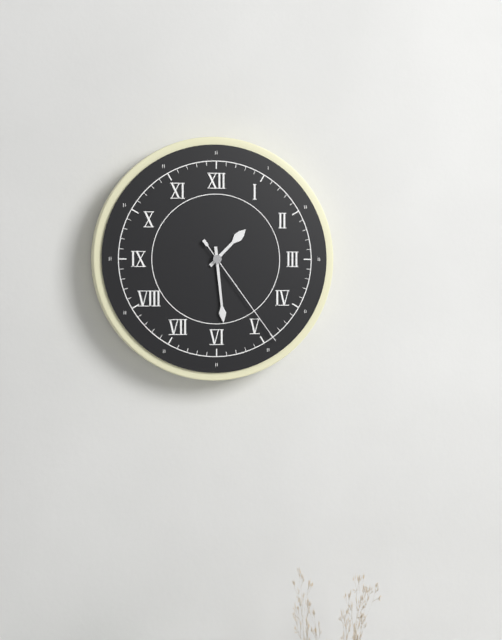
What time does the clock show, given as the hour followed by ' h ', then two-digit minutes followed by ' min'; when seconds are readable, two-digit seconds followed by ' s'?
1 h 29 min 24 s
